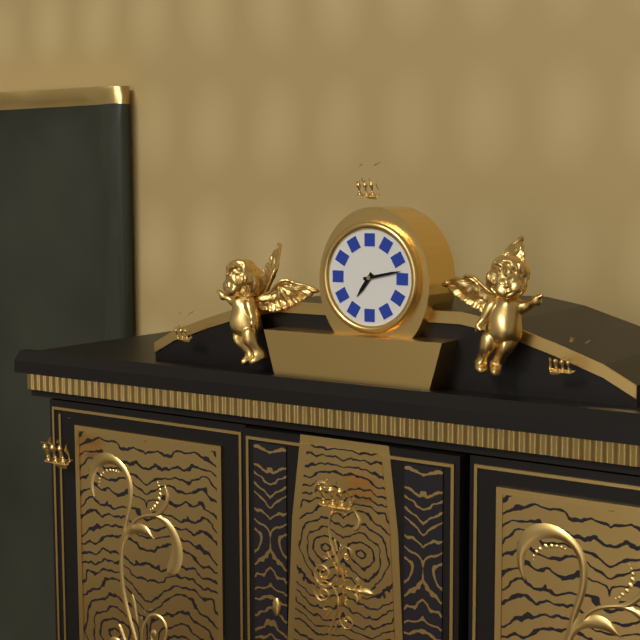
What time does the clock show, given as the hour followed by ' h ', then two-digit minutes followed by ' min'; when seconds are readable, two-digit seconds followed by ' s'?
7 h 13 min
